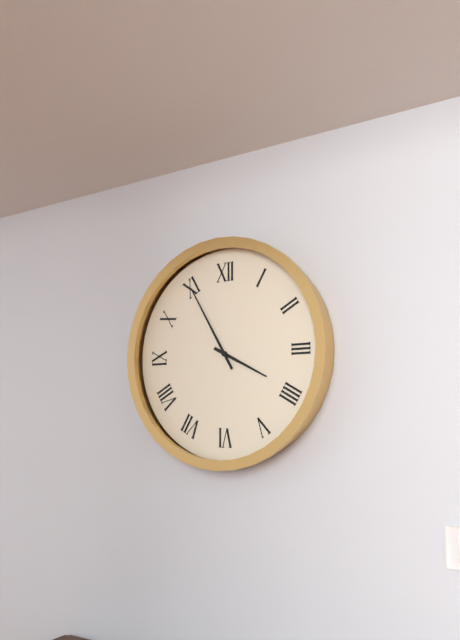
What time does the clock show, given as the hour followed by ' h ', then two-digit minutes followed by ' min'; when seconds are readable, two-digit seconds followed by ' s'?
3 h 55 min
